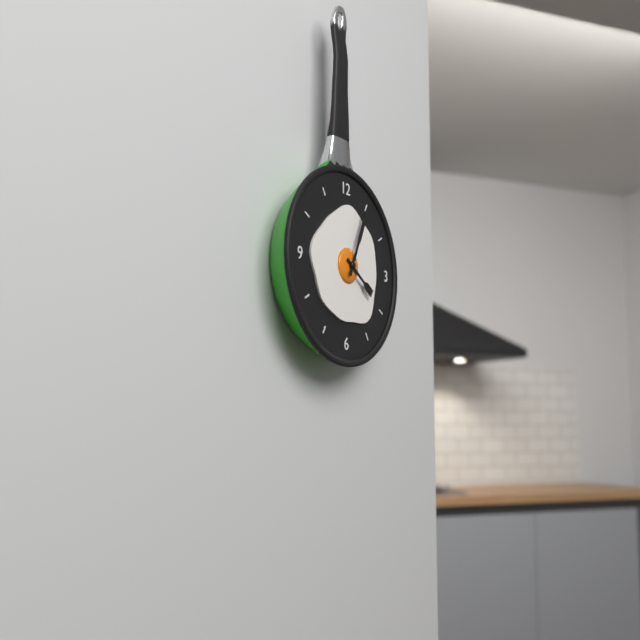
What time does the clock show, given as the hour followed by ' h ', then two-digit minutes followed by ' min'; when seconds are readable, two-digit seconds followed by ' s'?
4 h 04 min
